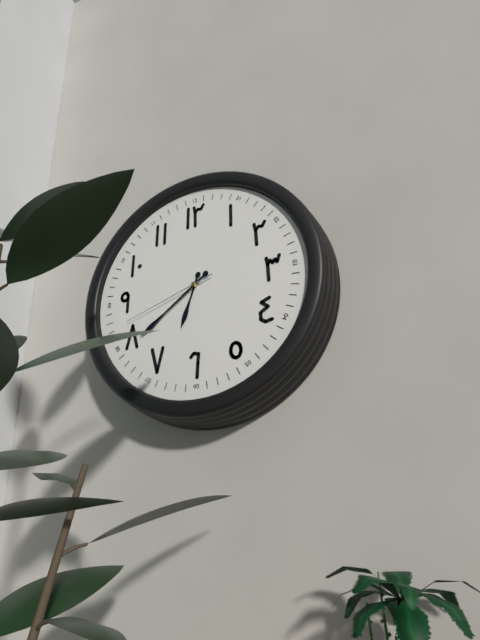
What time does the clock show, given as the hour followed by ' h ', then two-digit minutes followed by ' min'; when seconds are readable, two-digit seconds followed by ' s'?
6 h 39 min 42 s
